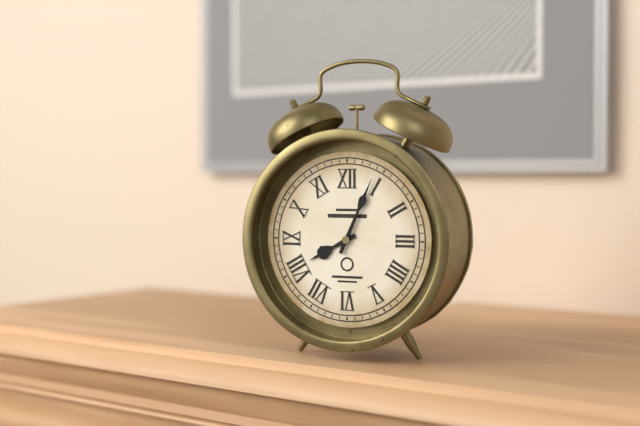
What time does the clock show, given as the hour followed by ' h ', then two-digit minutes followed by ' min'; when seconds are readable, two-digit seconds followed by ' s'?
8 h 04 min
